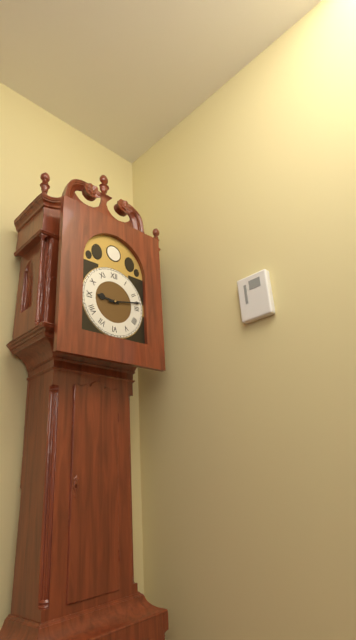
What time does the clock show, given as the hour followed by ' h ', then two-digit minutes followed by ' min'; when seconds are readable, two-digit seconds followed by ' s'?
9 h 13 min
